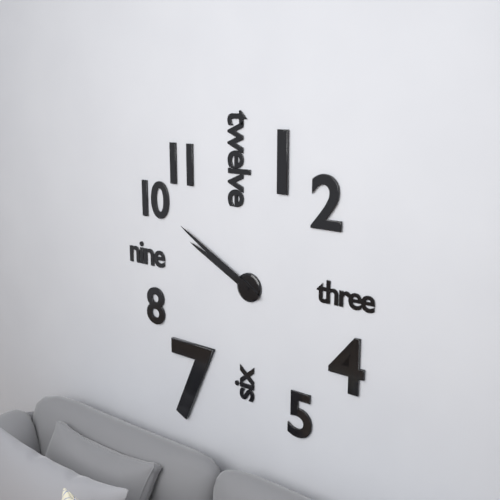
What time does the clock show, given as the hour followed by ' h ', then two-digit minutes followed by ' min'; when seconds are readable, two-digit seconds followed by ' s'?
9 h 50 min
